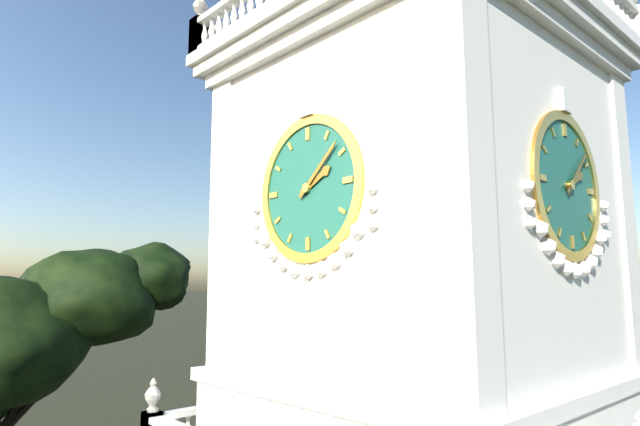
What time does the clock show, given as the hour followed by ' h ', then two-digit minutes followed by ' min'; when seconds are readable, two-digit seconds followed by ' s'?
2 h 08 min
